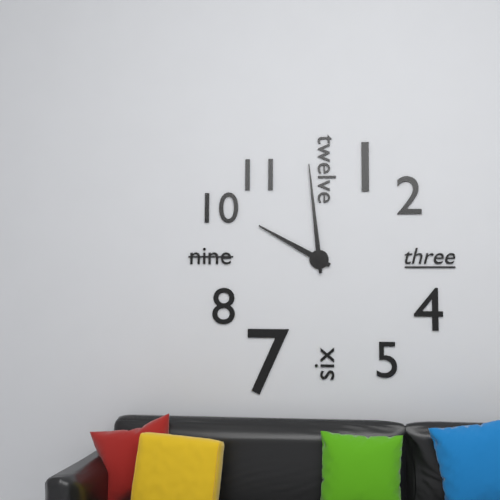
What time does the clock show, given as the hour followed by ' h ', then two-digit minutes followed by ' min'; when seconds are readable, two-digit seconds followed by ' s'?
9 h 59 min
